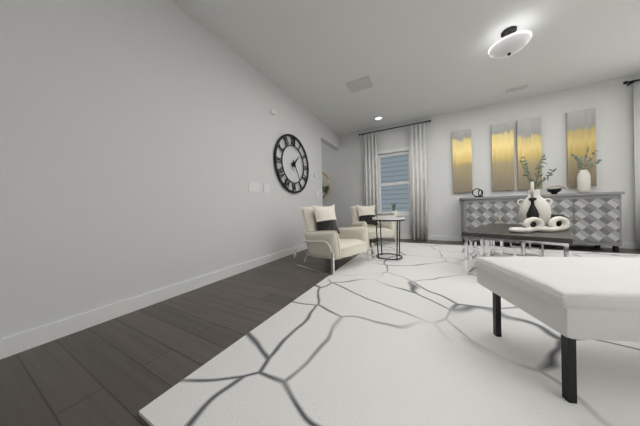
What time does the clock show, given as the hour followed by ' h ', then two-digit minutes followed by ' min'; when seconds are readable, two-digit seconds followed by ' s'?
1 h 25 min
